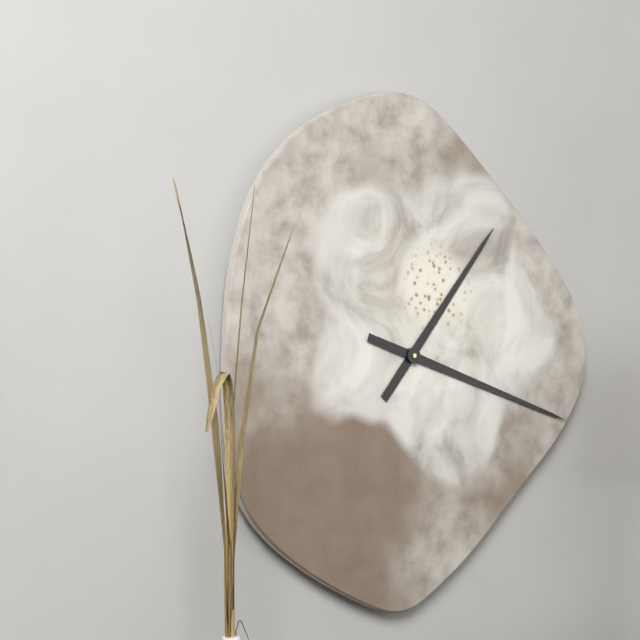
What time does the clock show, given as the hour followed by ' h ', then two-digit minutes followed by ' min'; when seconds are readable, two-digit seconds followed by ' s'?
1 h 18 min
